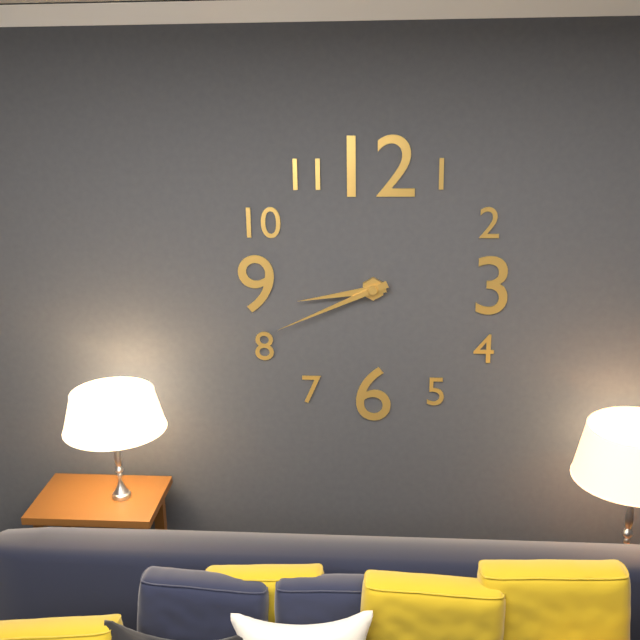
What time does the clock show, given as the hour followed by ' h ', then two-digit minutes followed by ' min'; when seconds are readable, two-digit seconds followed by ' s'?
8 h 41 min
